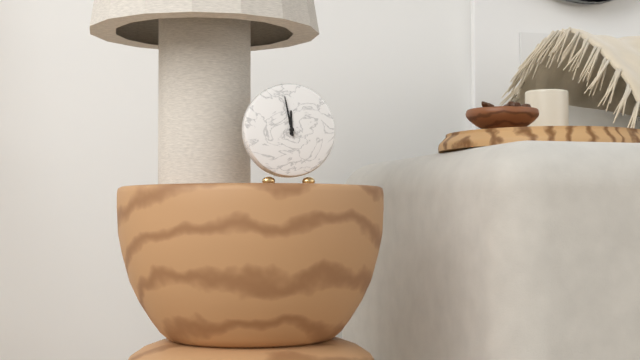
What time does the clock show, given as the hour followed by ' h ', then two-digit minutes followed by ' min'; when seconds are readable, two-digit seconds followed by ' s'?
11 h 58 min
